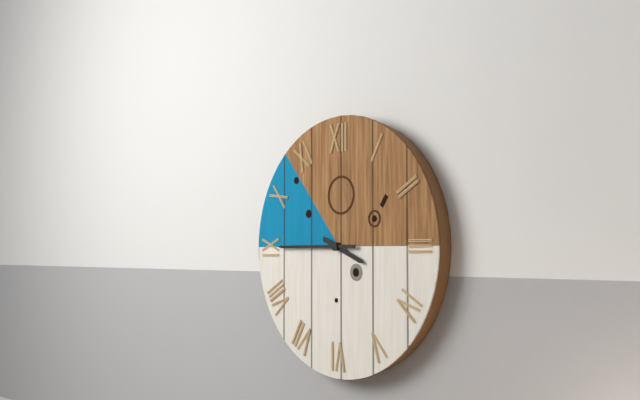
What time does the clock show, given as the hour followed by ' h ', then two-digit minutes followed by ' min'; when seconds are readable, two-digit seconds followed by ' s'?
3 h 45 min
